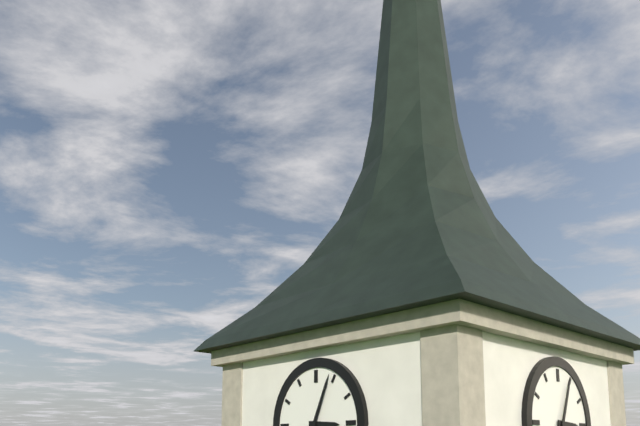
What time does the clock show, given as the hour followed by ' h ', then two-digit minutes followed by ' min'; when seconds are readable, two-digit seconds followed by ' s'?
3 h 04 min
